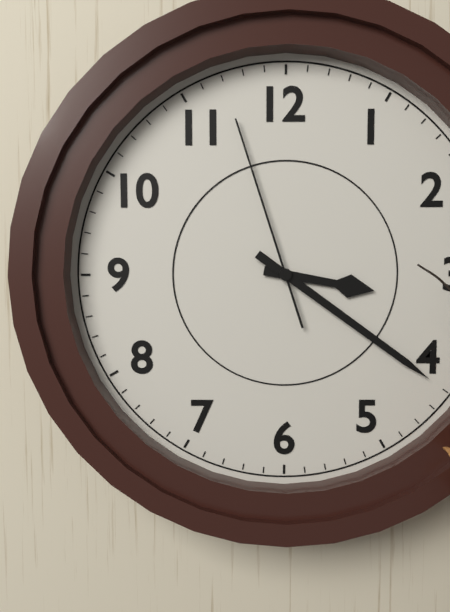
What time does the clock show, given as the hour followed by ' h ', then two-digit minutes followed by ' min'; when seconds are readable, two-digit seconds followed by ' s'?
3 h 21 min 57 s
